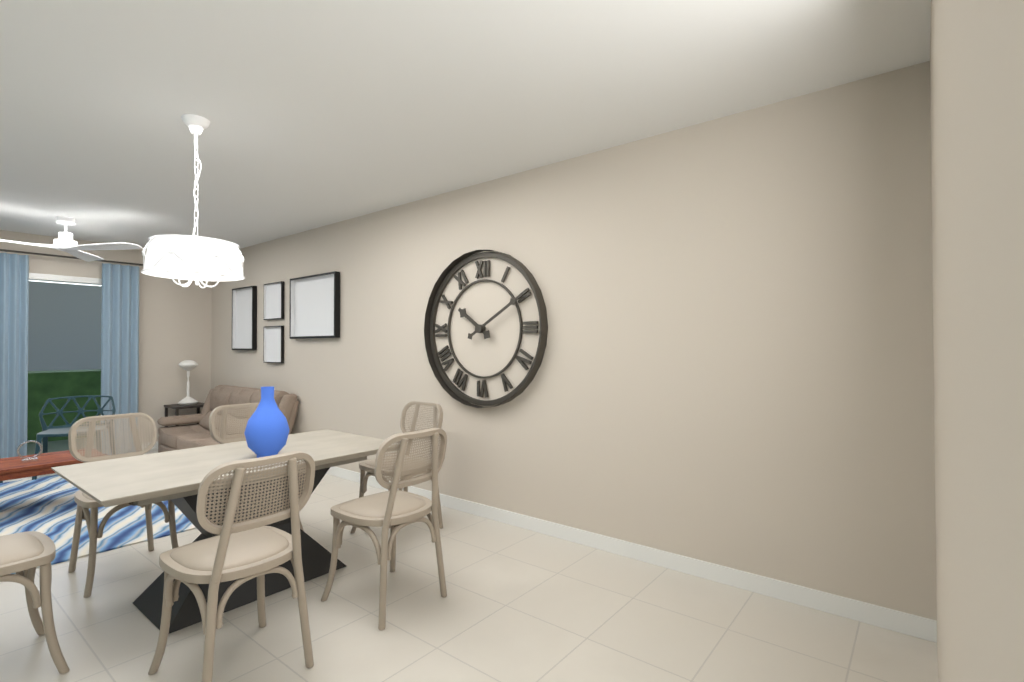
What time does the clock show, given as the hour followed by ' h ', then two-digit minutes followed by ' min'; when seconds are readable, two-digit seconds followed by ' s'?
10 h 10 min
